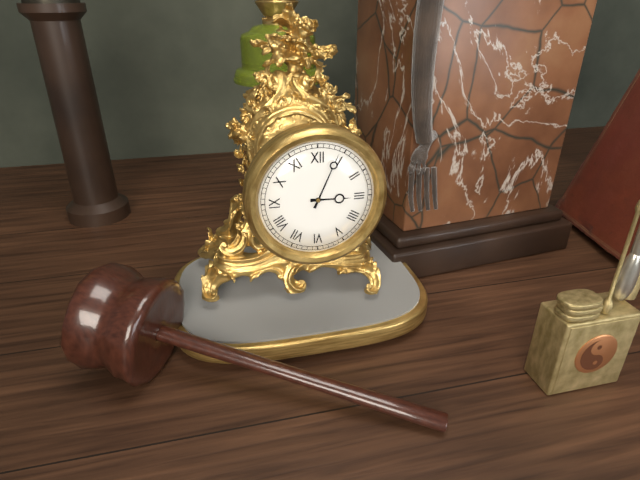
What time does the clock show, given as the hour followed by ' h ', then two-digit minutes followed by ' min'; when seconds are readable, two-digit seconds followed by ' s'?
3 h 04 min
